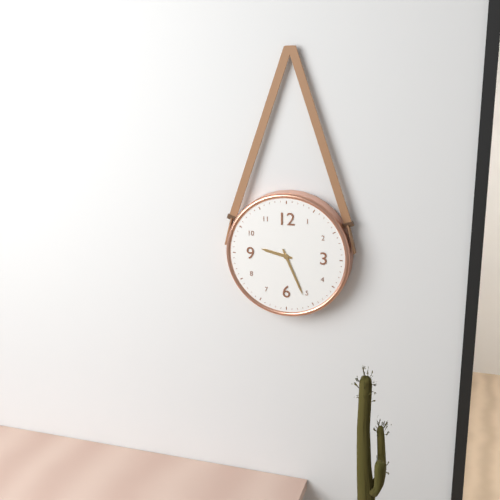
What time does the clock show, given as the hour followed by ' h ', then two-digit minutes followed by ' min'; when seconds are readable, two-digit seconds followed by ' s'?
9 h 26 min
